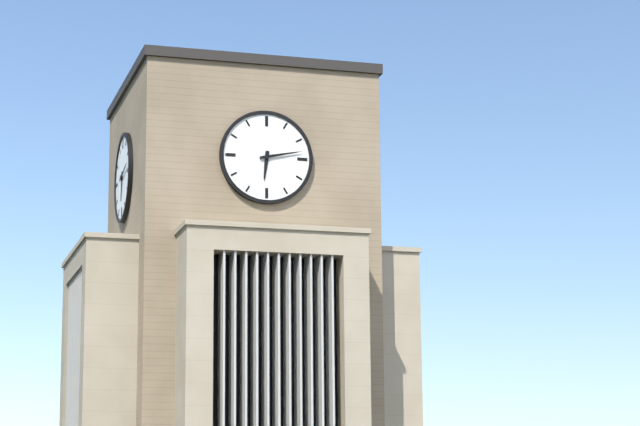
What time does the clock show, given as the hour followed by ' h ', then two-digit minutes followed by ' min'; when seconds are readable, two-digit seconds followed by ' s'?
6 h 13 min
